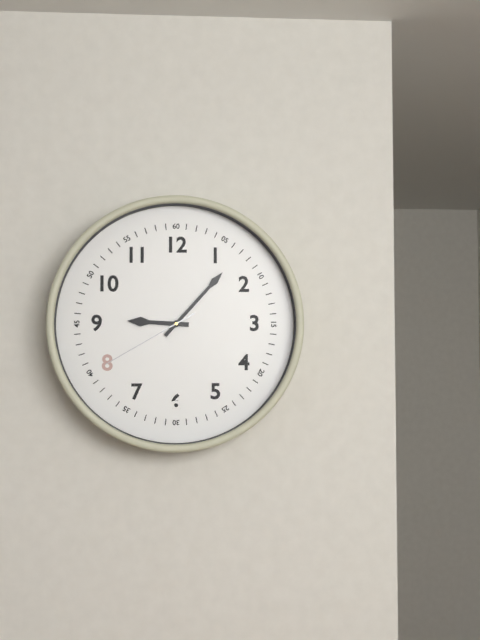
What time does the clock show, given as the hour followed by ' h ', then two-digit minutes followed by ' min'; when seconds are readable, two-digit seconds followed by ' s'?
9 h 07 min 40 s
